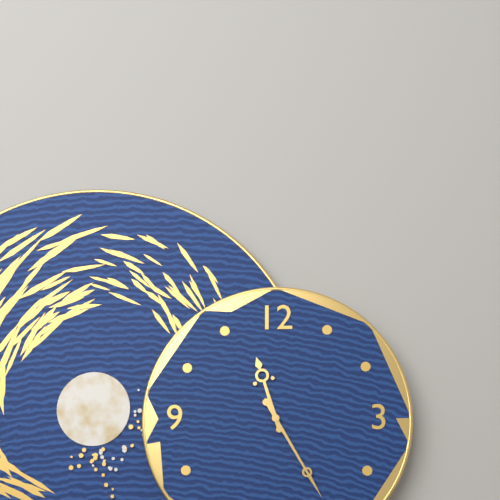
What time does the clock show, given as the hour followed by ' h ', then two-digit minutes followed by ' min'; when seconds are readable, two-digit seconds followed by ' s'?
11 h 25 min
